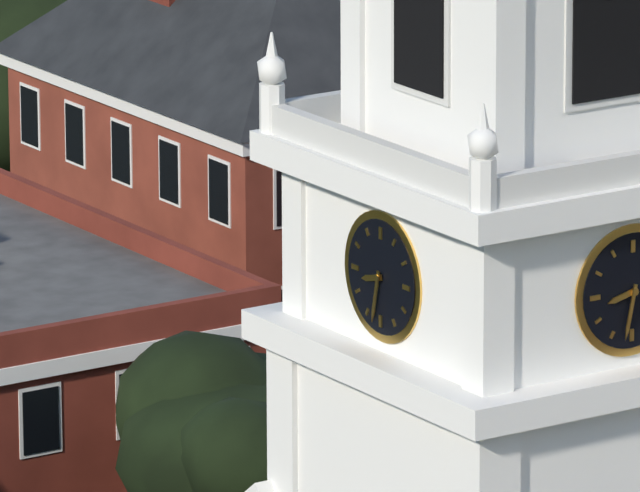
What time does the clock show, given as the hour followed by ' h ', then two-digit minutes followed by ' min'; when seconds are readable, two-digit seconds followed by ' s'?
8 h 32 min
